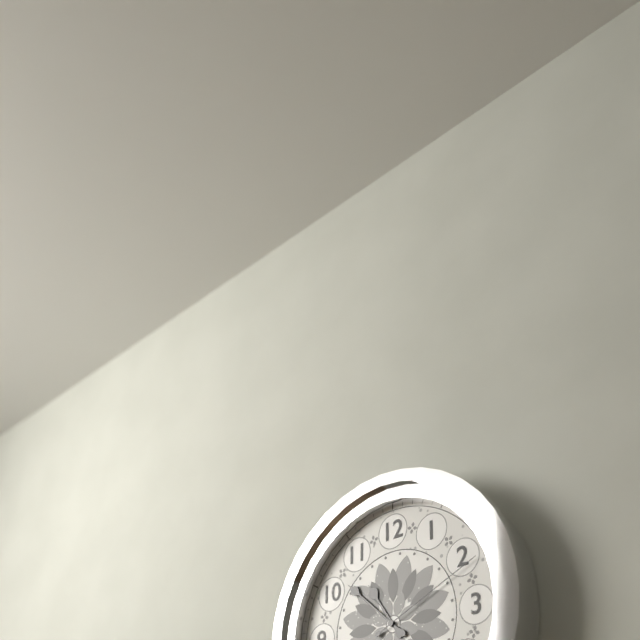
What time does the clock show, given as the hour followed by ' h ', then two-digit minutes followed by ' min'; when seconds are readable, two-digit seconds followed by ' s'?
10 h 52 min 11 s
